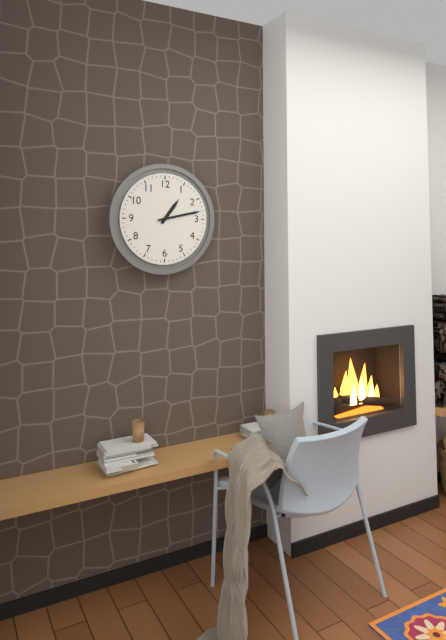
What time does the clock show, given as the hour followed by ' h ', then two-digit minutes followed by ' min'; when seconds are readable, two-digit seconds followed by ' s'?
1 h 13 min
